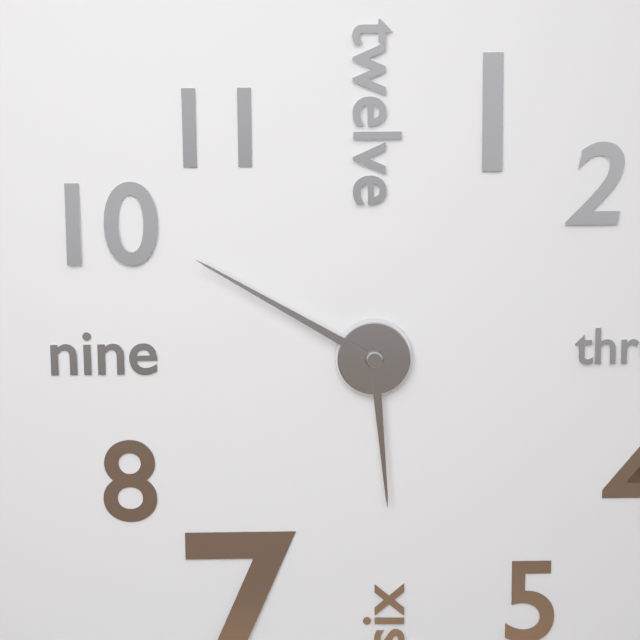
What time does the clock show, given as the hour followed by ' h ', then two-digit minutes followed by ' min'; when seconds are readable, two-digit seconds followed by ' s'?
5 h 50 min
